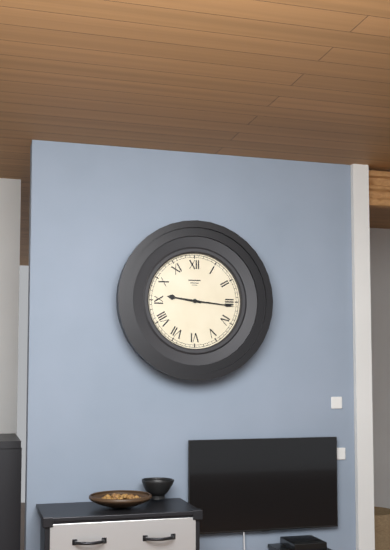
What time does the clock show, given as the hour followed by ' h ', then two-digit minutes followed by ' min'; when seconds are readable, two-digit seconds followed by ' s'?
9 h 16 min
